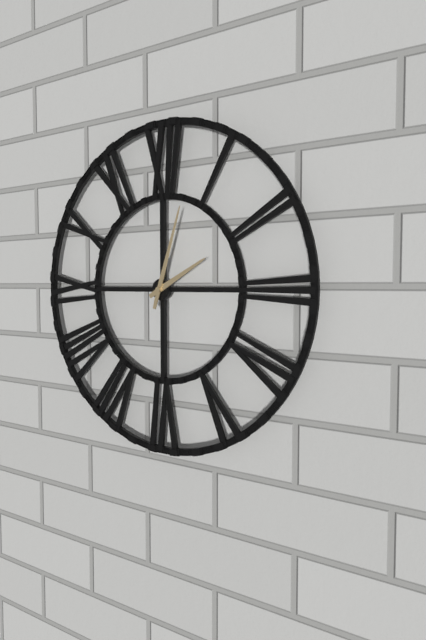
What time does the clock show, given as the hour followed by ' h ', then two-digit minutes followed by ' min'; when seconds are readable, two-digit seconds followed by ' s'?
2 h 03 min
